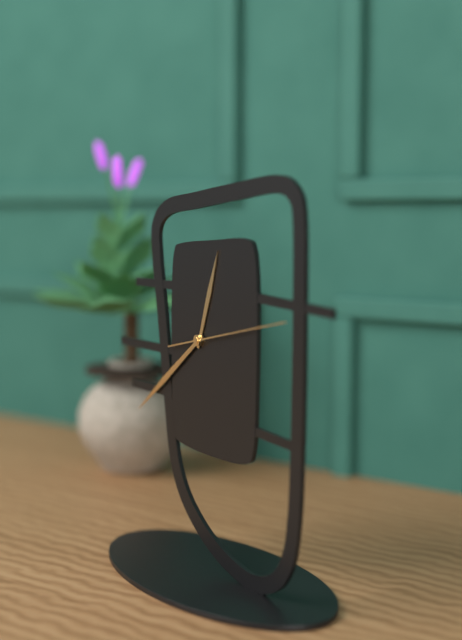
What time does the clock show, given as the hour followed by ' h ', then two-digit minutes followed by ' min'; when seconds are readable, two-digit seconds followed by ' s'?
12 h 39 min 13 s
